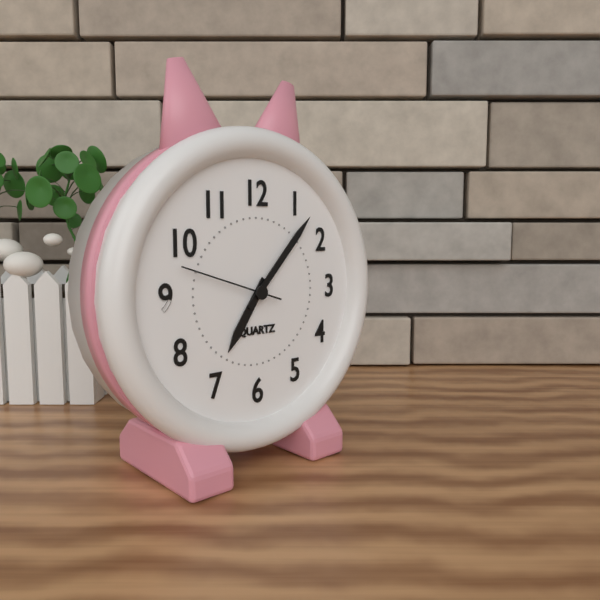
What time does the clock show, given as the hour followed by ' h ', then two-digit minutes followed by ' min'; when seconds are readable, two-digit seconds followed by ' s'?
7 h 07 min 48 s
